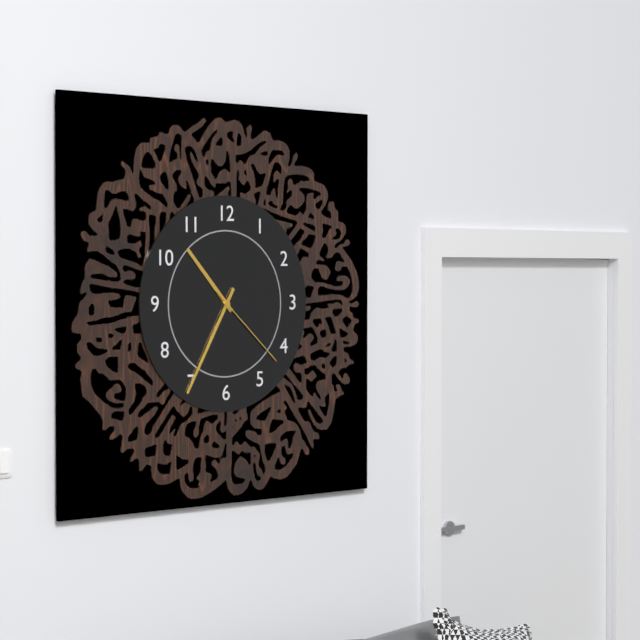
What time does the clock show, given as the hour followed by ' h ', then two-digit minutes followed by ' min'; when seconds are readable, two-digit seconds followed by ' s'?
10 h 35 min 22 s
